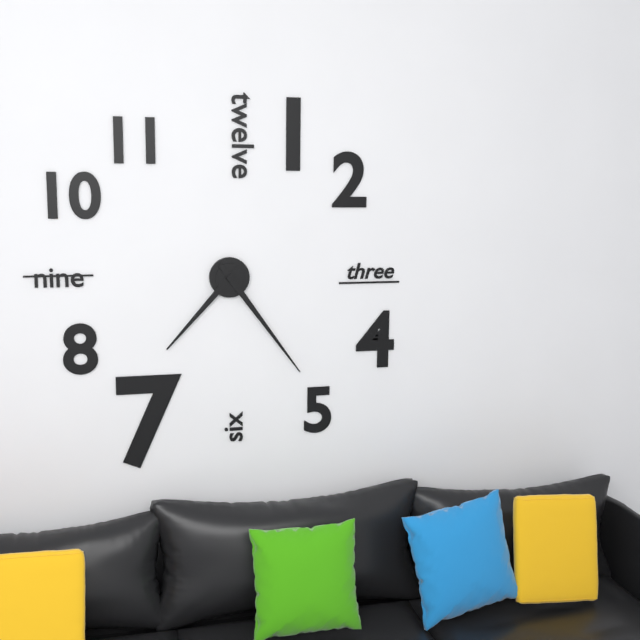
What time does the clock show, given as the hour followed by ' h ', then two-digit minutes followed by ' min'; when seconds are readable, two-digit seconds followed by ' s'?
7 h 24 min
